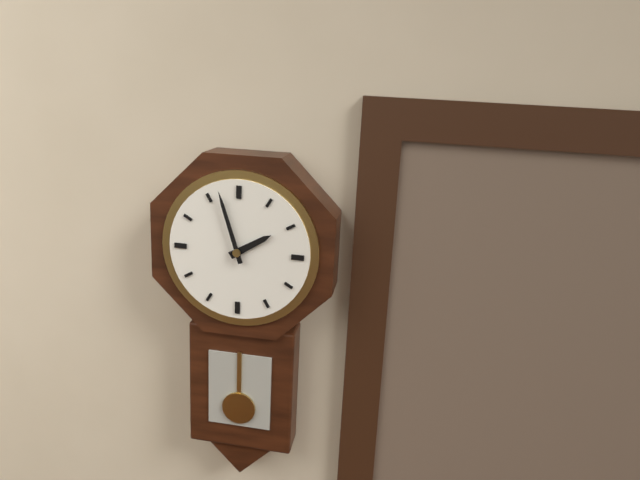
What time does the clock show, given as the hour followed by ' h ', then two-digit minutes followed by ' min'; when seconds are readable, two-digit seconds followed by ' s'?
1 h 57 min
